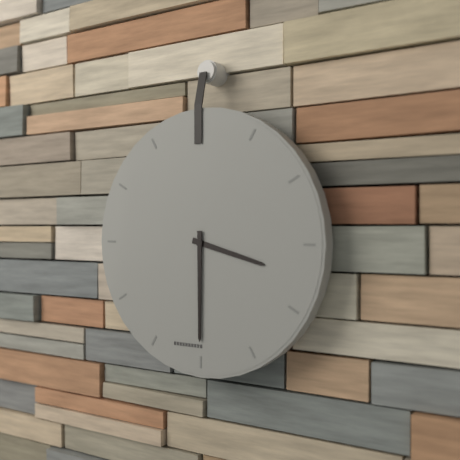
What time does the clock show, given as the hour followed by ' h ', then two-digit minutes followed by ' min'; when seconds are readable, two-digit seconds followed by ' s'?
3 h 30 min
